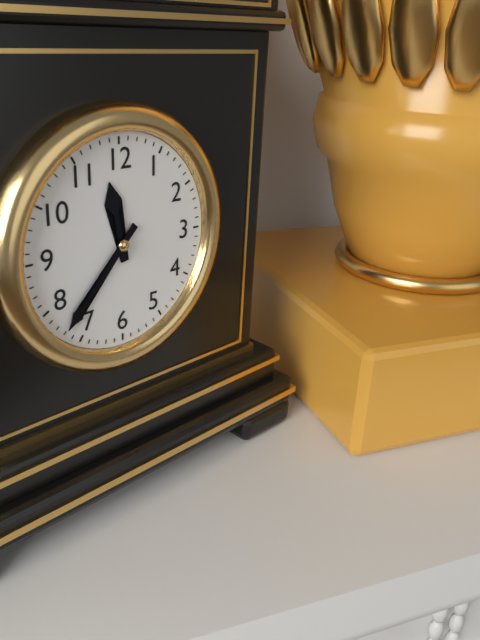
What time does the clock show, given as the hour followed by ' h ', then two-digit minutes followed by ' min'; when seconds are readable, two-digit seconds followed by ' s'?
11 h 37 min
